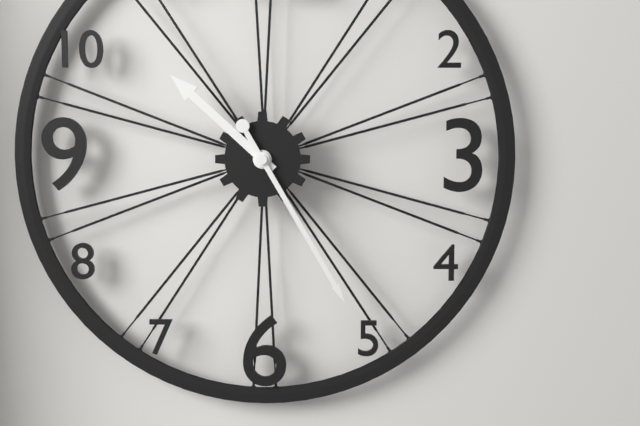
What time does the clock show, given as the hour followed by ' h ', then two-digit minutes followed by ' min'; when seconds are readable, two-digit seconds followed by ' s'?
10 h 25 min
